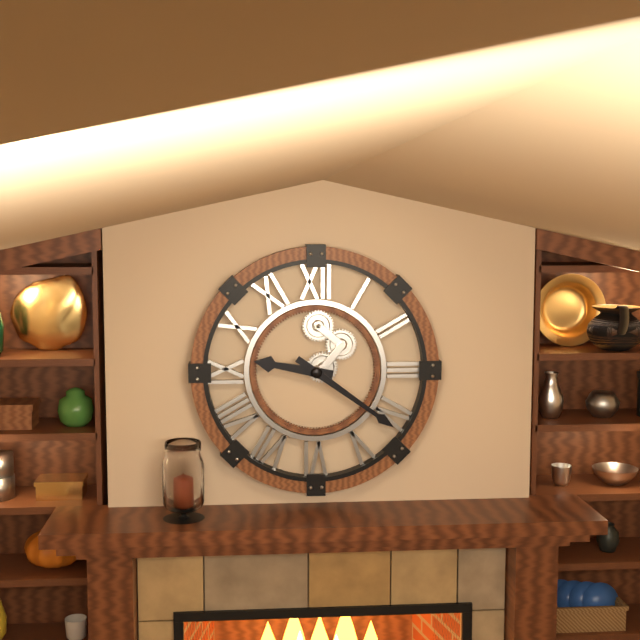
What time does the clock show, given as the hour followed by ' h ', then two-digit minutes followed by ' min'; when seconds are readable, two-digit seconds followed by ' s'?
9 h 21 min
